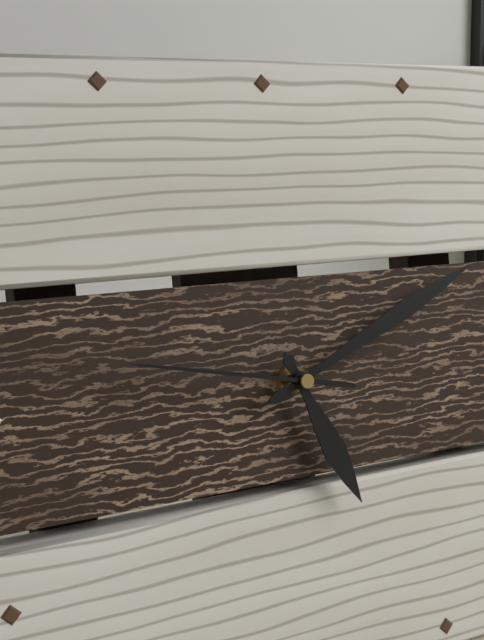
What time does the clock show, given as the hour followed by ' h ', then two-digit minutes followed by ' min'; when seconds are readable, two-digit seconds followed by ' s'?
5 h 11 min 47 s
